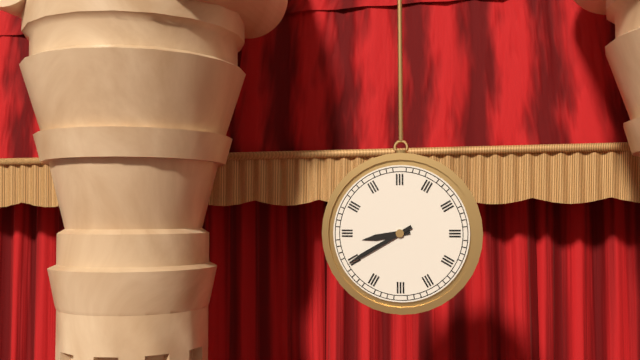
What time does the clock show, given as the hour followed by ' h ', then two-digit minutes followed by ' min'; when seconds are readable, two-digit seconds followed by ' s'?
8 h 40 min
